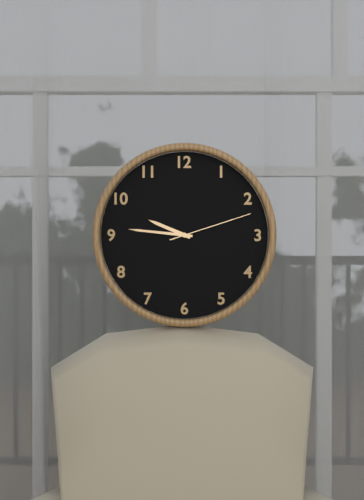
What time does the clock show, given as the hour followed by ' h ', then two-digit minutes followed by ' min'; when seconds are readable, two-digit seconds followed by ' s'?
9 h 46 min 12 s
